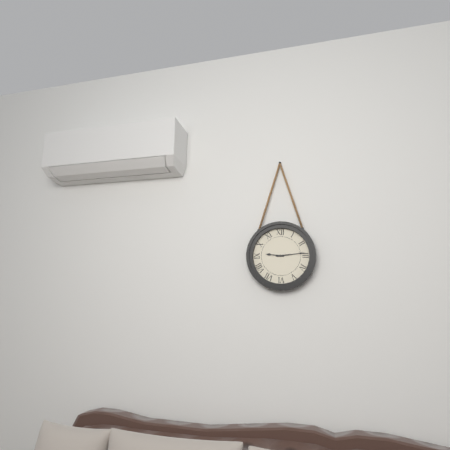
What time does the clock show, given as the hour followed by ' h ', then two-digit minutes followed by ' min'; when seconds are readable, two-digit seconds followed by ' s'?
9 h 14 min
